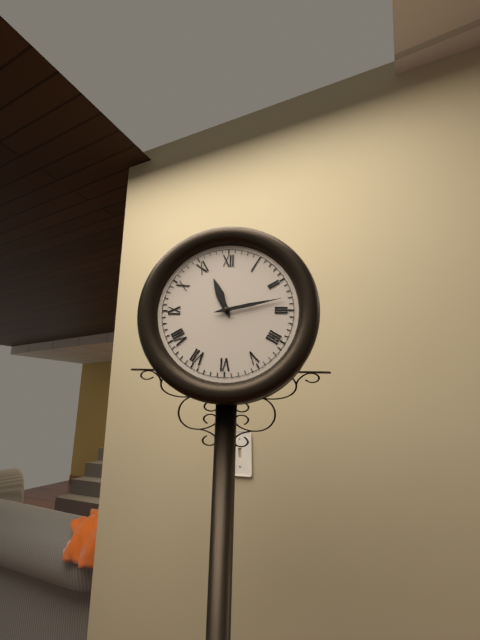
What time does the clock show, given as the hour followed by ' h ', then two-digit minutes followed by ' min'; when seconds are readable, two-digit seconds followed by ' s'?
11 h 13 min
